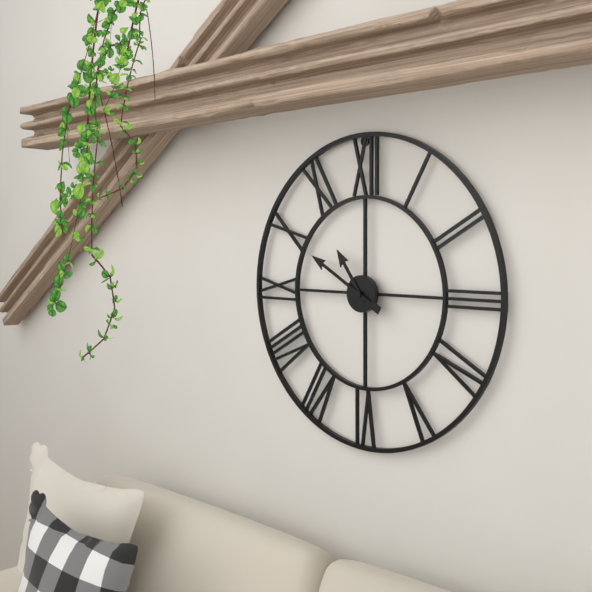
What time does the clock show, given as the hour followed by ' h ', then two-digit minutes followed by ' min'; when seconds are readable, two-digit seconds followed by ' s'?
10 h 50 min
